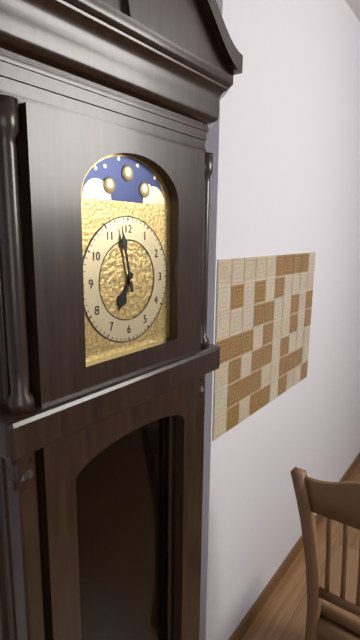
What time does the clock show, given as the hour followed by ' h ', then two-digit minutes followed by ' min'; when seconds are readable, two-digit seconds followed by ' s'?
6 h 58 min
